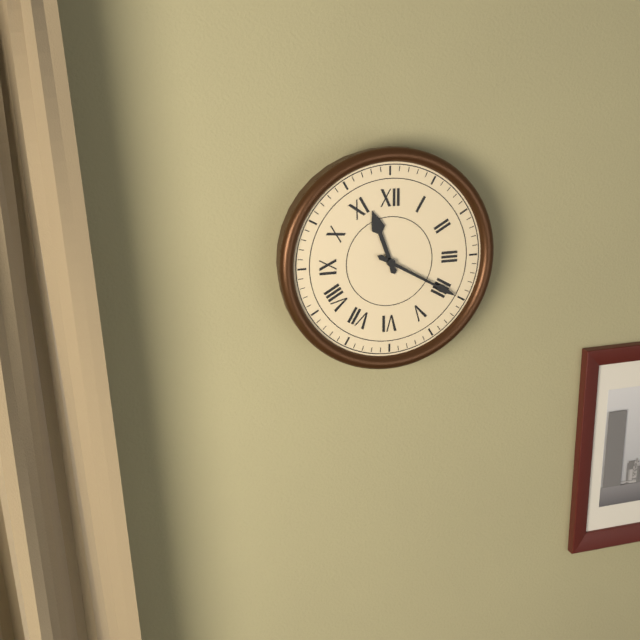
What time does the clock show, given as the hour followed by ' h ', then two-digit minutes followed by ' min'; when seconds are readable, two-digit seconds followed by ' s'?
11 h 20 min
